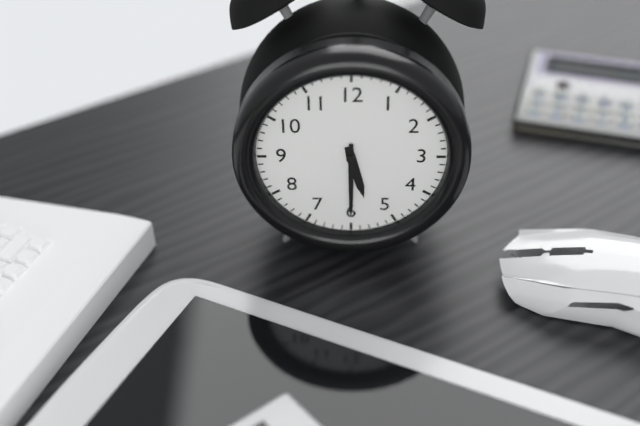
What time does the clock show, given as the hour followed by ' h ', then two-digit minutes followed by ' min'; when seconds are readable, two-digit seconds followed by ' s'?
5 h 30 min
